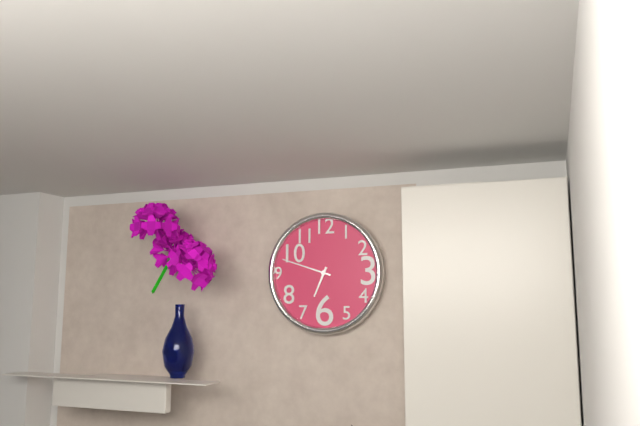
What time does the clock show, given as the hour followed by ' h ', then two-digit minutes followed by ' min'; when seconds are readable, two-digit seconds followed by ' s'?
6 h 48 min
